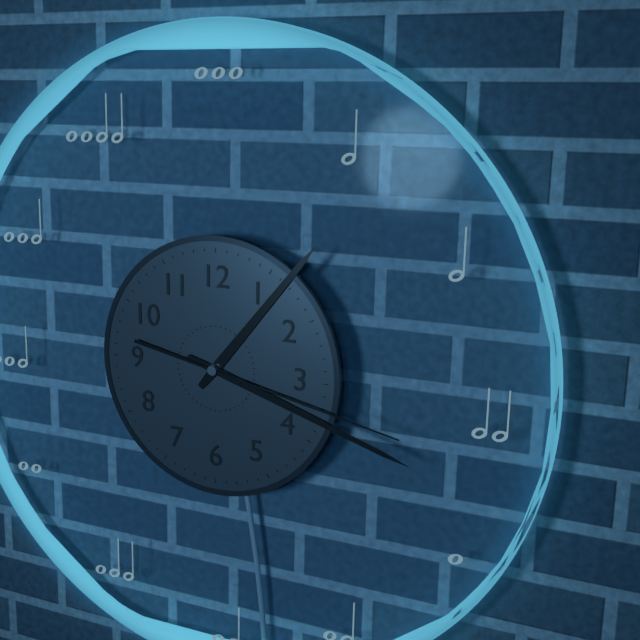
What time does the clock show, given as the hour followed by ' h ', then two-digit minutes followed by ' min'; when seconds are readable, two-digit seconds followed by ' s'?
1 h 18 min 17 s
